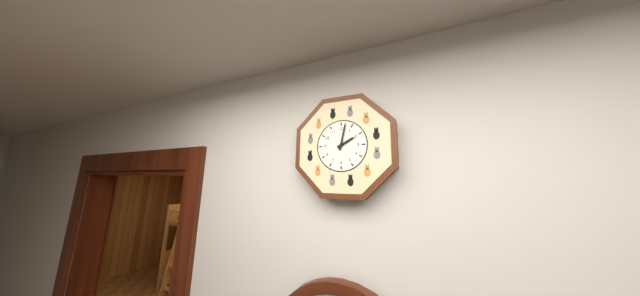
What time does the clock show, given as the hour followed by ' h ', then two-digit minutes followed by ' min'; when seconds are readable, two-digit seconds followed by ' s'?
2 h 02 min
